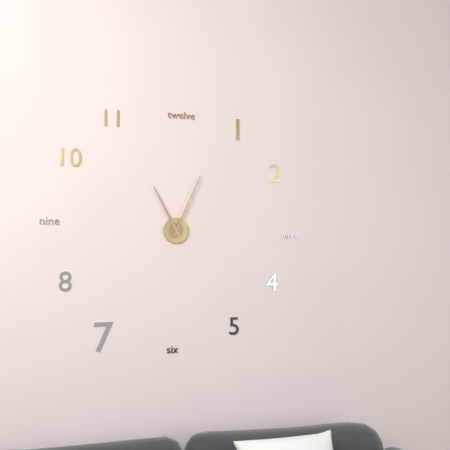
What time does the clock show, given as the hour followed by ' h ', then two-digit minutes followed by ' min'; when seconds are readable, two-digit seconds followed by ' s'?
11 h 04 min
